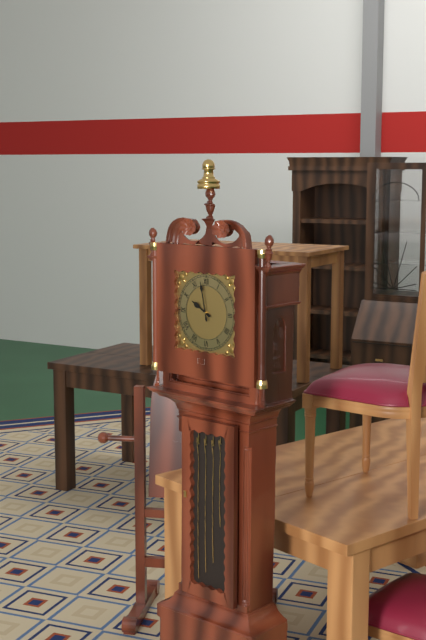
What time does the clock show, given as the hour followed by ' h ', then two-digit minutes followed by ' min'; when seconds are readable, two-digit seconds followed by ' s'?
9 h 58 min
